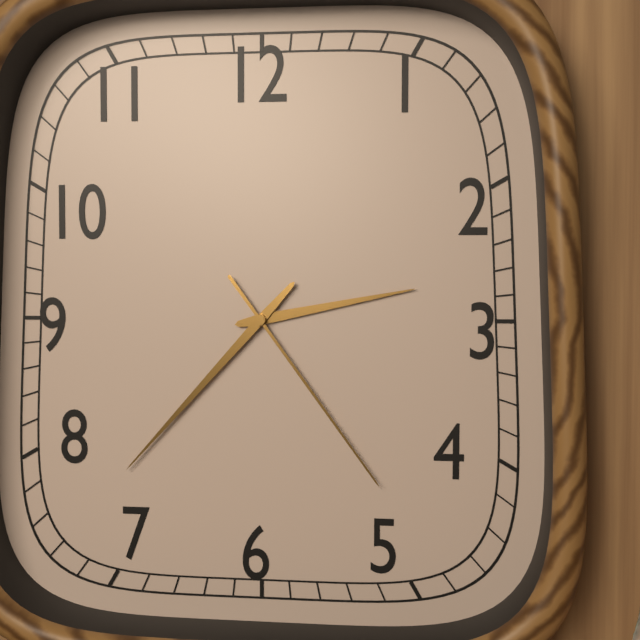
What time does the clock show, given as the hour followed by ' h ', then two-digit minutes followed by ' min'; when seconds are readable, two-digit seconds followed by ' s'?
2 h 37 min 24 s
